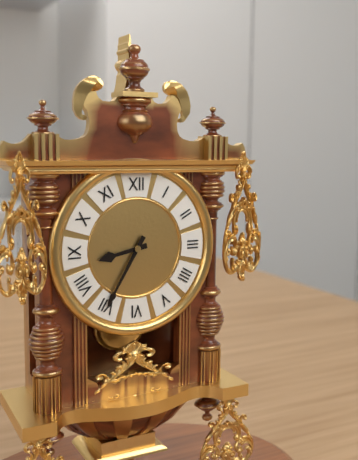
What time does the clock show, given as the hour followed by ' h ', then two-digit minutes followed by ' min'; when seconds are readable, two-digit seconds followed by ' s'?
8 h 35 min
